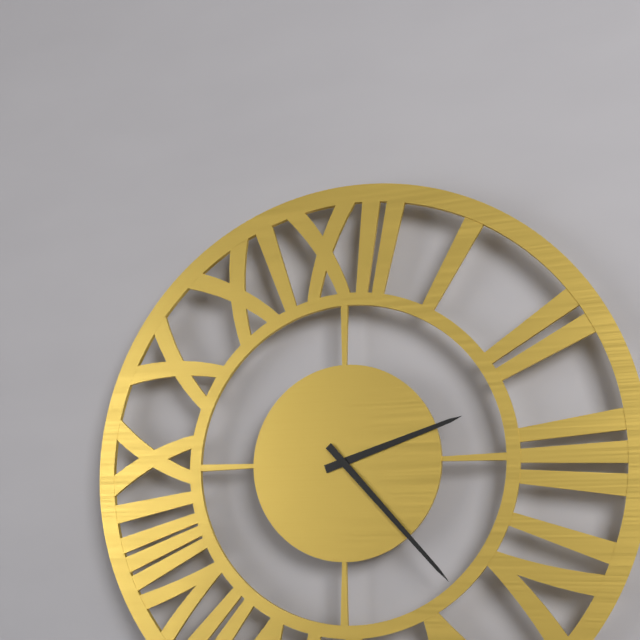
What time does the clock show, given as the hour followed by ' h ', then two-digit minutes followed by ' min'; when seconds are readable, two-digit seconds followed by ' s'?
2 h 23 min
